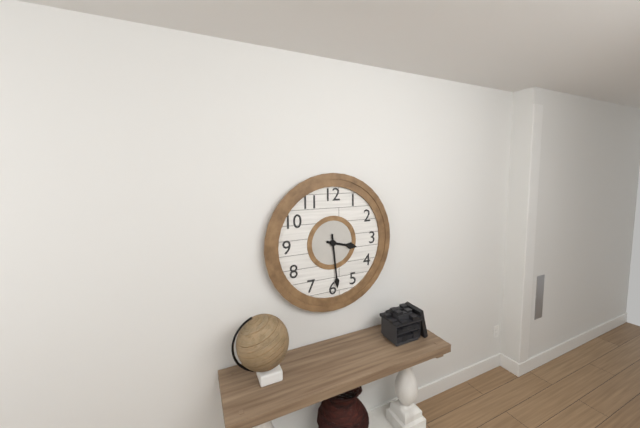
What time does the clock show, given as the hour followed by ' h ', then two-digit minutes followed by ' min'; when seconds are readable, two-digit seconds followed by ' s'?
3 h 29 min
